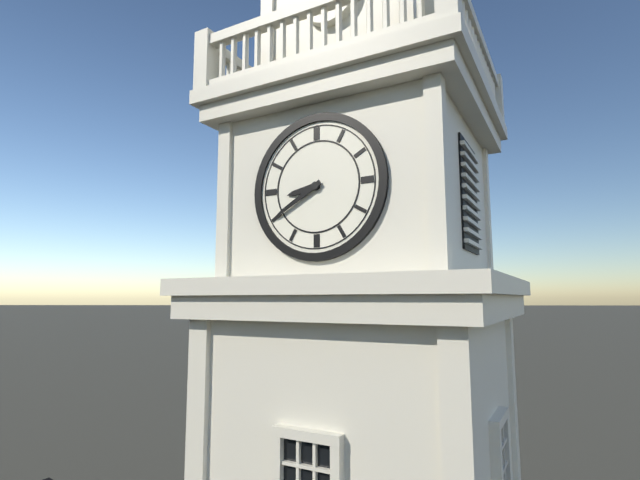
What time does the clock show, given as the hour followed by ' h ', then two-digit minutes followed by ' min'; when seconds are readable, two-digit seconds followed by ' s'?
8 h 40 min
